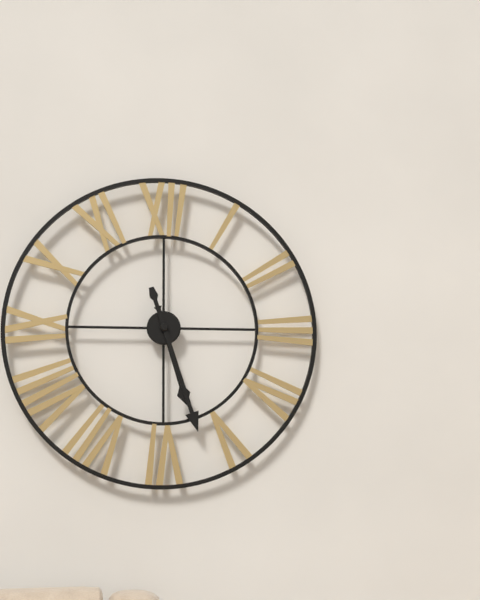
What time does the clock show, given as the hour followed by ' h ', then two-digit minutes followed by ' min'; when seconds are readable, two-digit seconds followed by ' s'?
5 h 27 min
